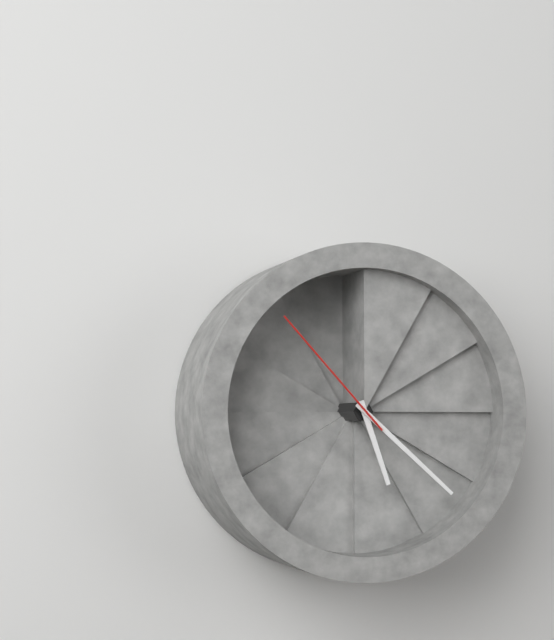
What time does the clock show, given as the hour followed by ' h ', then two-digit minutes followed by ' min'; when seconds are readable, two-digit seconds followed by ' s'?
5 h 22 min 53 s
